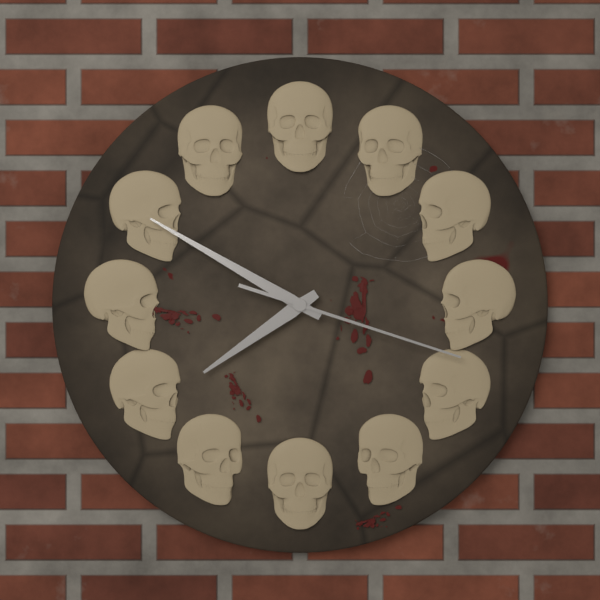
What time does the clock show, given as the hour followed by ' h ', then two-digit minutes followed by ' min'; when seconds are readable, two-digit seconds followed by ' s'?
7 h 50 min 18 s
